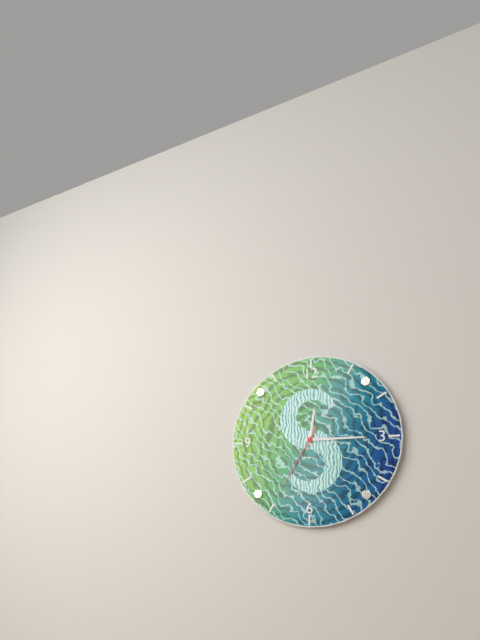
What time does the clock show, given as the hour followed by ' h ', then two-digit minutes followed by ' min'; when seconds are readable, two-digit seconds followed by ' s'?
12 h 15 min 35 s
